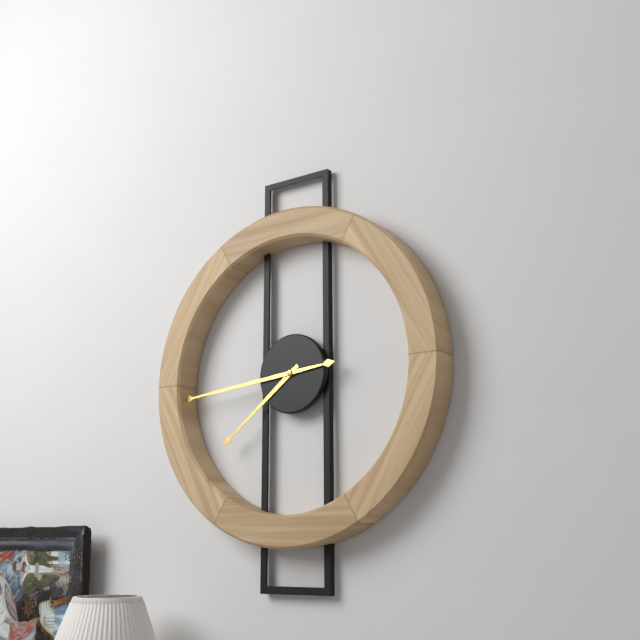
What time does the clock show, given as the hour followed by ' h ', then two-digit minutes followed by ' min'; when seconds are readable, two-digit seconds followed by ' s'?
7 h 44 min
